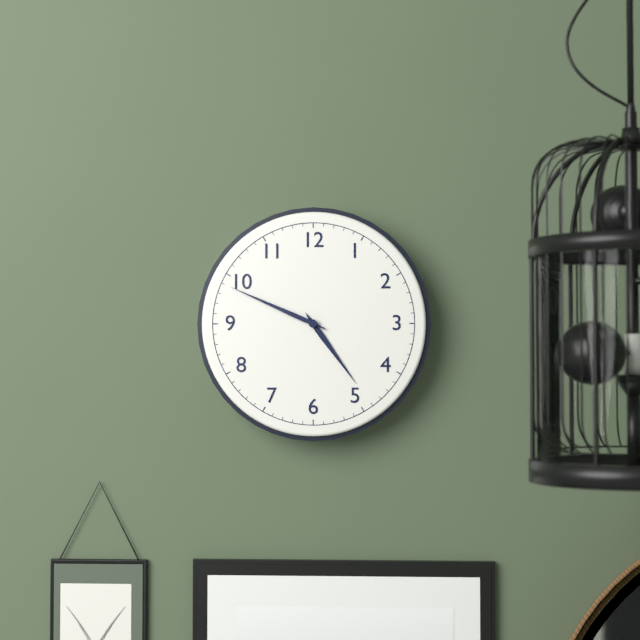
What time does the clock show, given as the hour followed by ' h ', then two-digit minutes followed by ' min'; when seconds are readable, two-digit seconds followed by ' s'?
4 h 49 min
